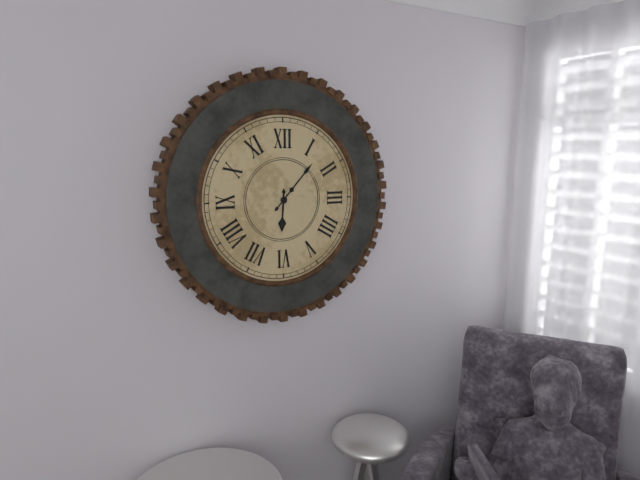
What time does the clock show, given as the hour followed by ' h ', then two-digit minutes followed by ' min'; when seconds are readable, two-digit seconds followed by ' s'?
6 h 07 min
